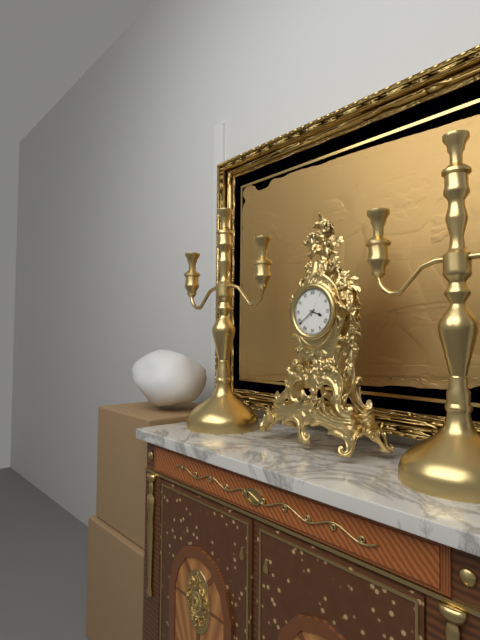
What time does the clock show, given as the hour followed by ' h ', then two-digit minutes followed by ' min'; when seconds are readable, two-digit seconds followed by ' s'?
3 h 39 min
